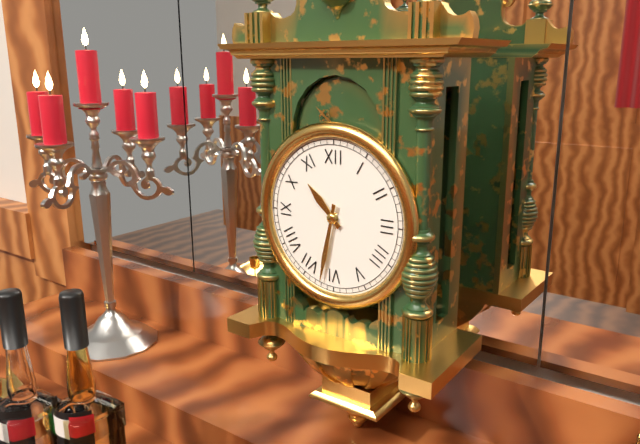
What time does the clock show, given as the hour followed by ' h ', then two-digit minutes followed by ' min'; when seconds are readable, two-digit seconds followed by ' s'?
10 h 32 min
